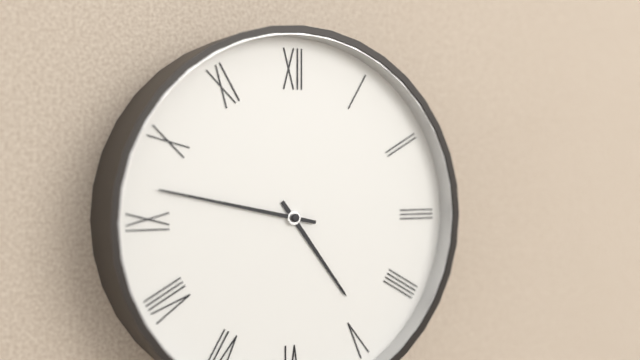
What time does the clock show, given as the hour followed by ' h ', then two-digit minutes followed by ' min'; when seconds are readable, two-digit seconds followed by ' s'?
4 h 47 min
